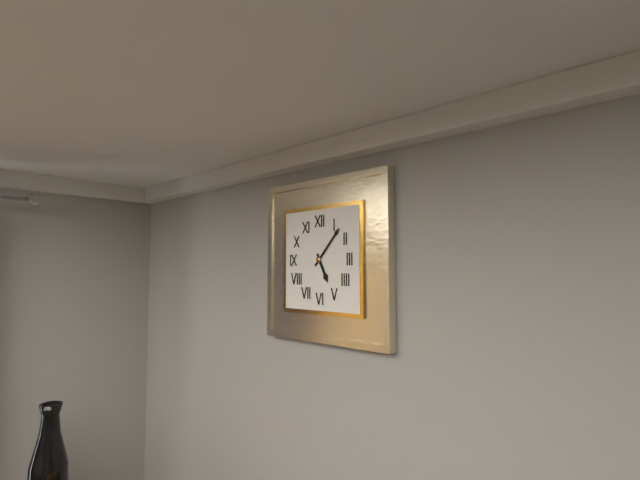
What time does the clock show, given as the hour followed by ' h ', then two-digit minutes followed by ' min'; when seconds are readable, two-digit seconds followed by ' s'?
5 h 07 min
